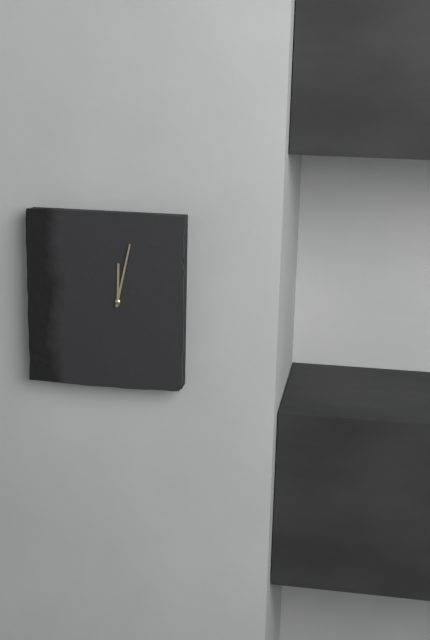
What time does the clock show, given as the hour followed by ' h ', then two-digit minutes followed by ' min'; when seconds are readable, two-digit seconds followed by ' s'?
12 h 02 min
